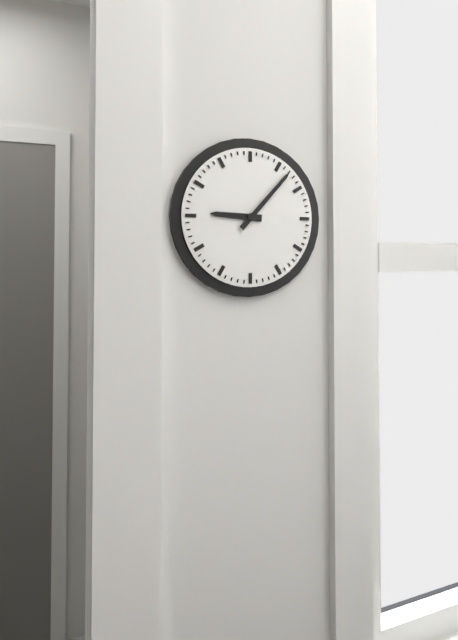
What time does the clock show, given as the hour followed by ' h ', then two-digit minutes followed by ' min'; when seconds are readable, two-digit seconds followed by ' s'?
9 h 07 min
